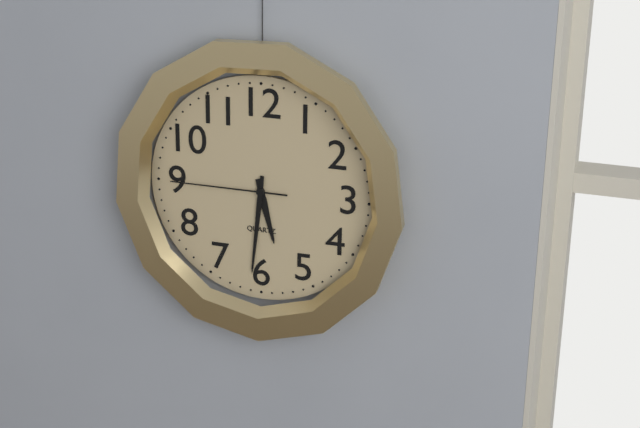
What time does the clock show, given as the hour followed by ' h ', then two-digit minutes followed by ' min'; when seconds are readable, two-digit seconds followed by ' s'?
5 h 31 min 45 s
